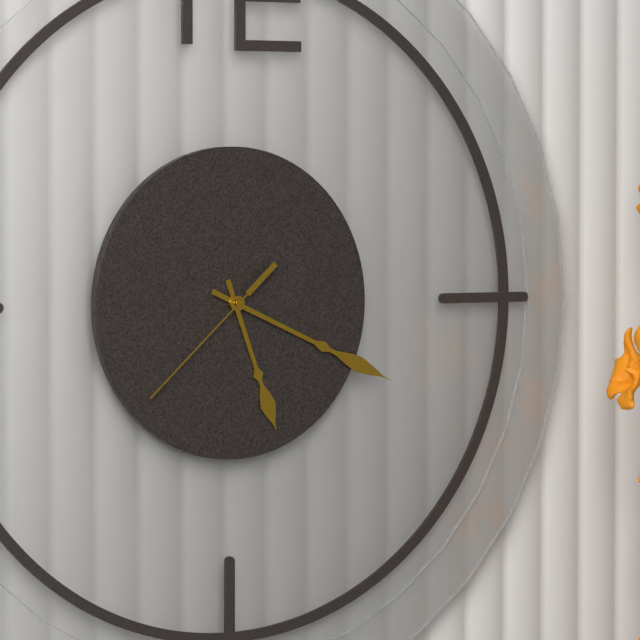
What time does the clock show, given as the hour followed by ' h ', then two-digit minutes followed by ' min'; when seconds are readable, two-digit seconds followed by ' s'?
5 h 19 min 38 s
